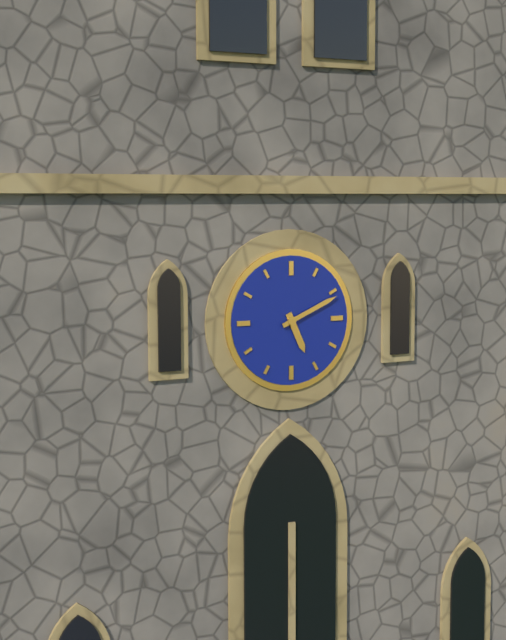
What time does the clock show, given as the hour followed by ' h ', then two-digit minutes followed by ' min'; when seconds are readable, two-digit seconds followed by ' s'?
5 h 11 min
